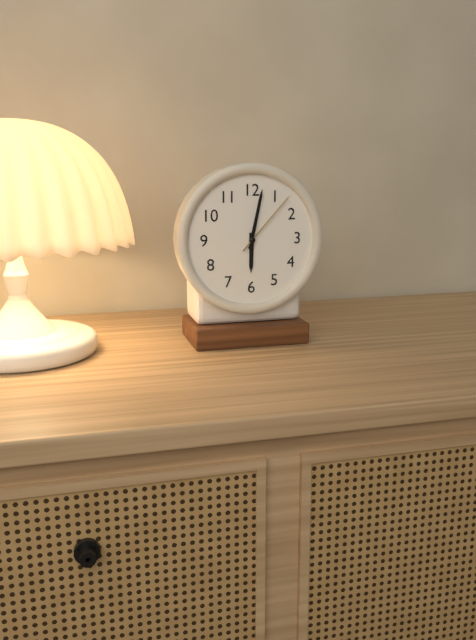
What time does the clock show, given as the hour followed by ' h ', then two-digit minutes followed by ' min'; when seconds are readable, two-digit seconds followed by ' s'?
6 h 02 min 07 s
